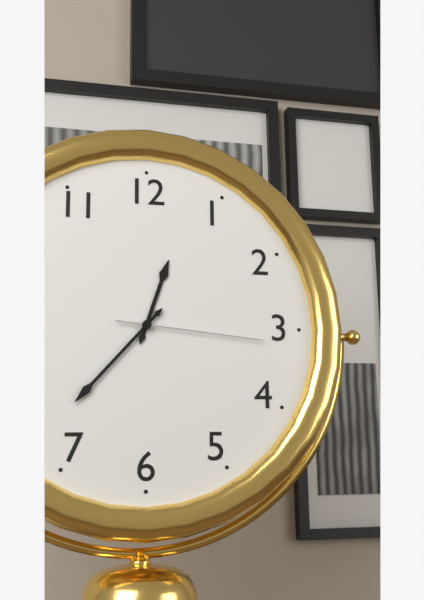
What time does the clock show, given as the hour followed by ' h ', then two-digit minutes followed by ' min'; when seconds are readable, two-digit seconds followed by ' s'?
12 h 37 min 16 s
